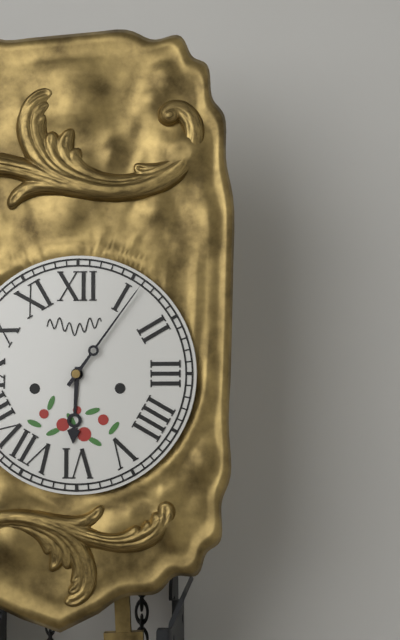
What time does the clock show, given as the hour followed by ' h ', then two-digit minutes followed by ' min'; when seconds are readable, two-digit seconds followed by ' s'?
6 h 06 min
